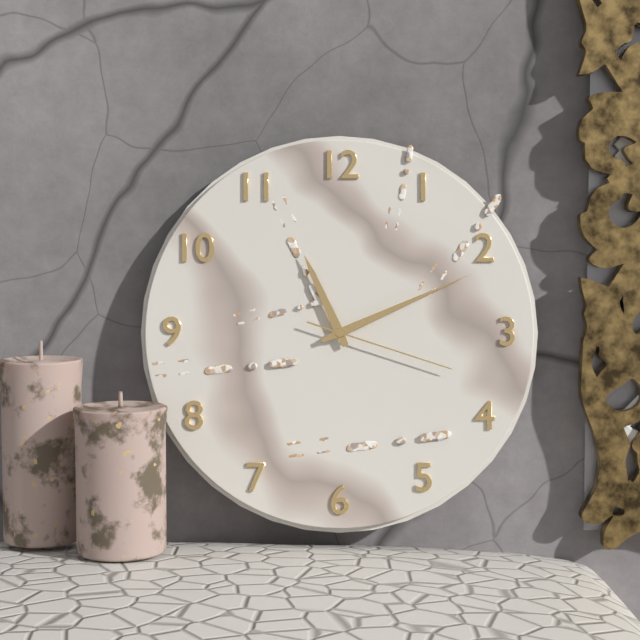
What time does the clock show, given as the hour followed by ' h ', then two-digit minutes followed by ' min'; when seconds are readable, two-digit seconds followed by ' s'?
11 h 11 min 18 s
